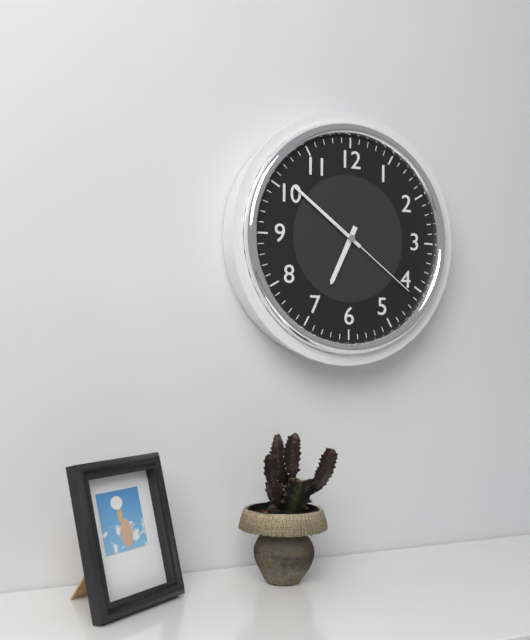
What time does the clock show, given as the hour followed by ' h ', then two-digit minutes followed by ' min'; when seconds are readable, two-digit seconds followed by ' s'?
6 h 51 min 21 s
